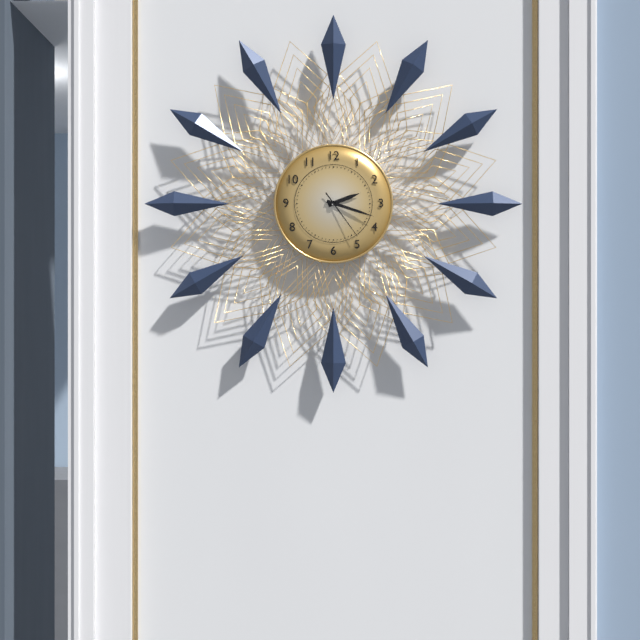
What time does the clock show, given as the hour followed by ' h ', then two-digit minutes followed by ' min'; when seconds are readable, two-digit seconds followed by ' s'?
2 h 18 min 24 s
